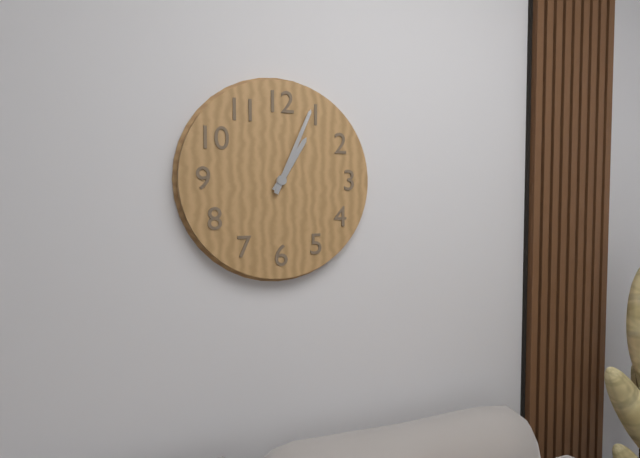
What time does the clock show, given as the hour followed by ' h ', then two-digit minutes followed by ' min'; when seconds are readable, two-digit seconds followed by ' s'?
1 h 04 min
